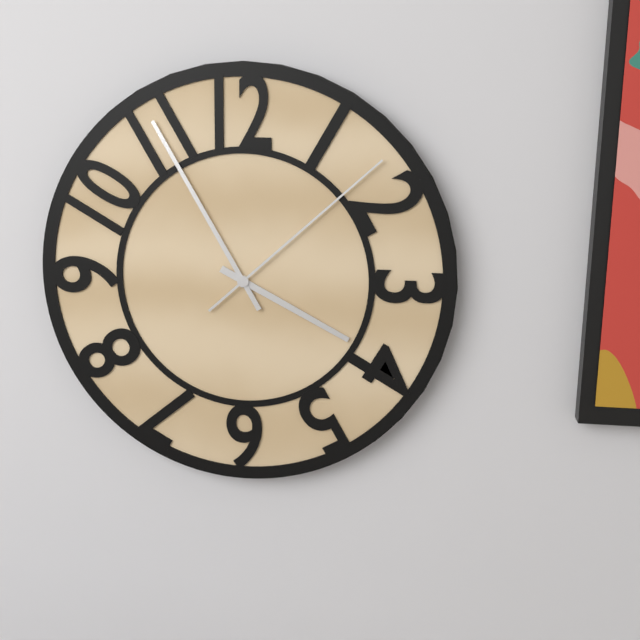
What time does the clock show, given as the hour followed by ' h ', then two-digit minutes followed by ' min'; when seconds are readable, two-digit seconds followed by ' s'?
3 h 55 min 08 s
